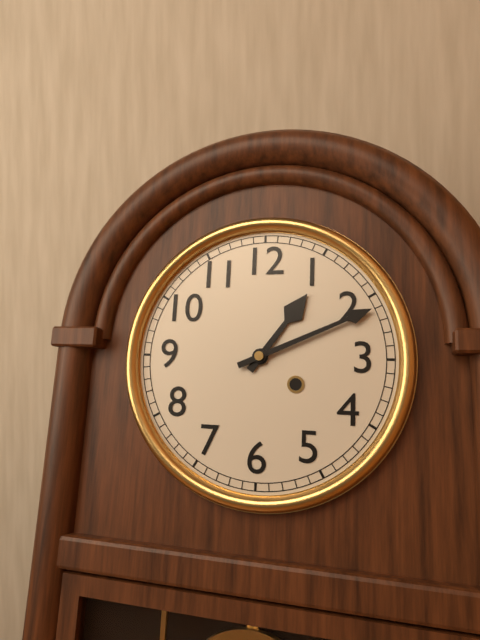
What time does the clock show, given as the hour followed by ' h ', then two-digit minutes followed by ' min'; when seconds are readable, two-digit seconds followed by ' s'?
1 h 11 min
